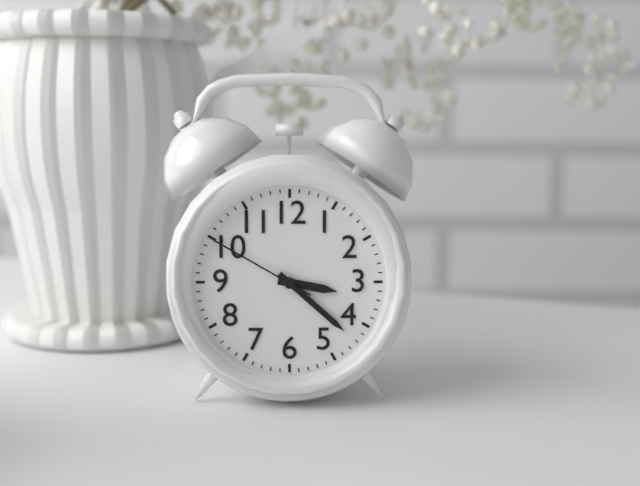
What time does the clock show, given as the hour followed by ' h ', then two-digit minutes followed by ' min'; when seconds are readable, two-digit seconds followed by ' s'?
3 h 22 min 50 s
